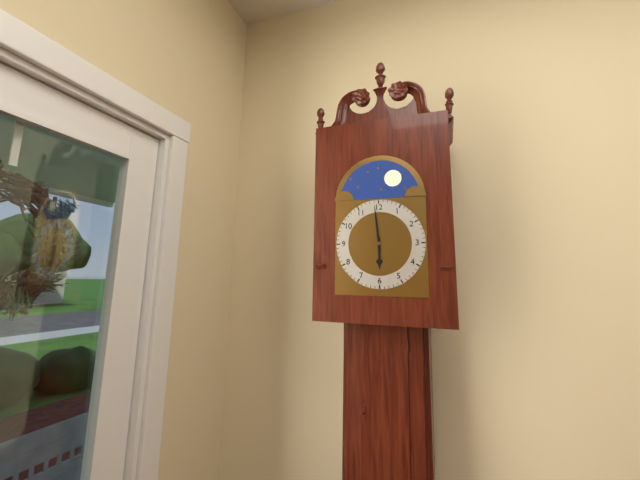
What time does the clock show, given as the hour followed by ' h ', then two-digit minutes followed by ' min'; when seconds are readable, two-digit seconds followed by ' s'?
5 h 59 min
